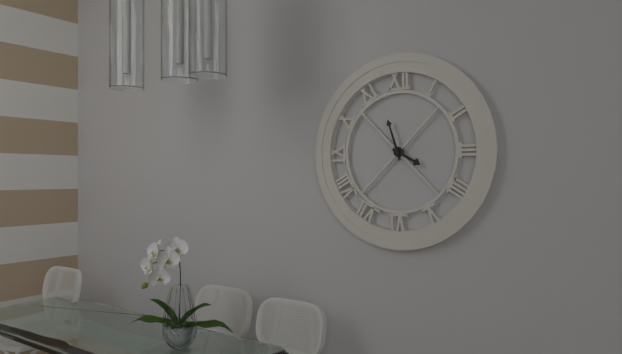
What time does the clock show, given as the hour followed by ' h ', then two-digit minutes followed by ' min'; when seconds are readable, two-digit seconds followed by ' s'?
3 h 57 min
